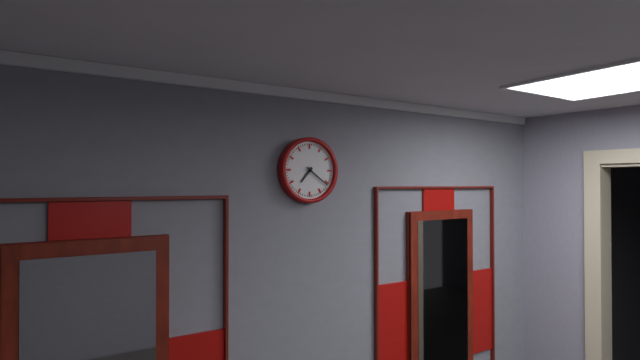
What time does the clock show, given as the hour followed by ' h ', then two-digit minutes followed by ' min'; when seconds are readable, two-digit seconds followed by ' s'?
7 h 21 min
